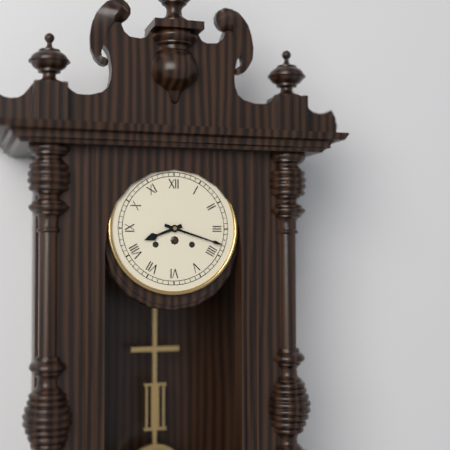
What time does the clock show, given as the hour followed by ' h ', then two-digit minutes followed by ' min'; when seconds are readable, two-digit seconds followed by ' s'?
8 h 18 min
